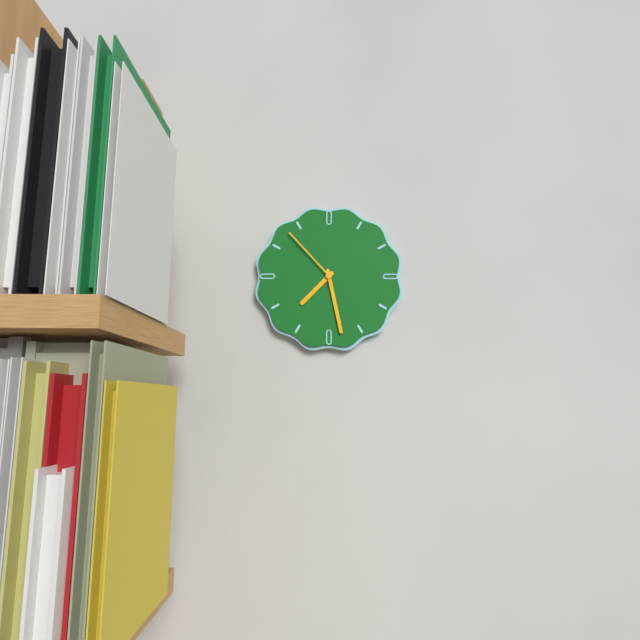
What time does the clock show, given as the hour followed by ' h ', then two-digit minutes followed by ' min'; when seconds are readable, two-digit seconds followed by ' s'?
7 h 28 min 53 s
